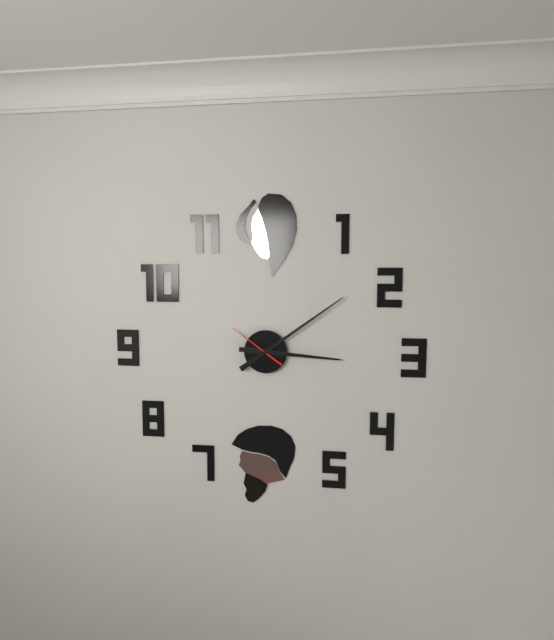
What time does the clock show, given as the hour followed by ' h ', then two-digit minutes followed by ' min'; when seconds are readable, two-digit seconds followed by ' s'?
3 h 09 min 51 s
